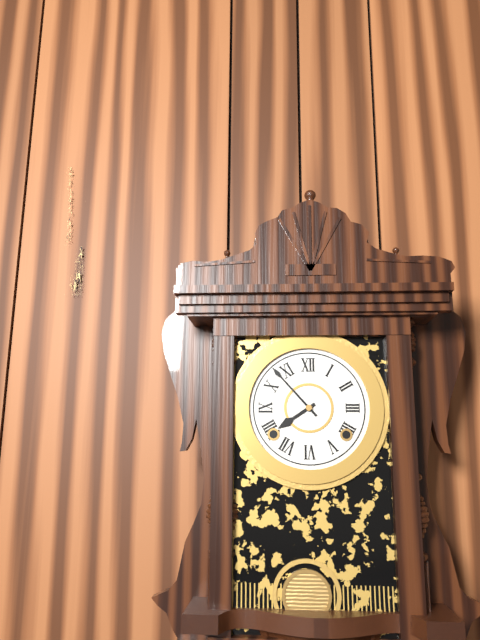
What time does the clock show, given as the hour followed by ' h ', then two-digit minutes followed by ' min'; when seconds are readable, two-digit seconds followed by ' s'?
7 h 53 min
